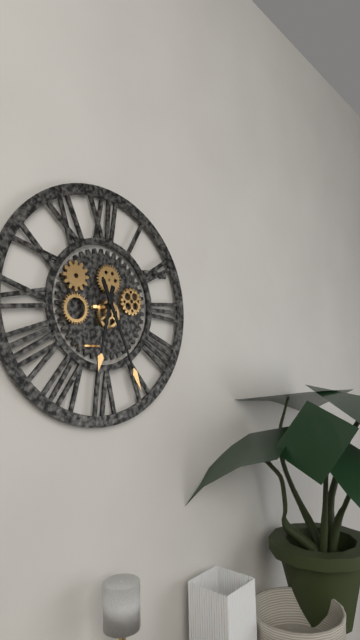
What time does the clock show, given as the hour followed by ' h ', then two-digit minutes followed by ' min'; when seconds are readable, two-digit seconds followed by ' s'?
6 h 26 min
